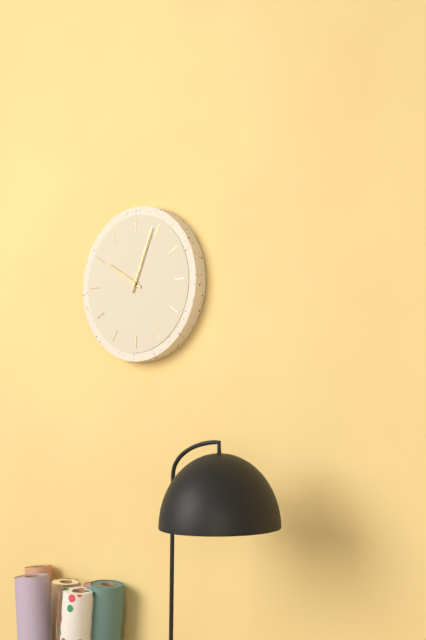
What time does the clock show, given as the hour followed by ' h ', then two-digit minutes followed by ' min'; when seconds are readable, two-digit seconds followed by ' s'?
10 h 04 min
